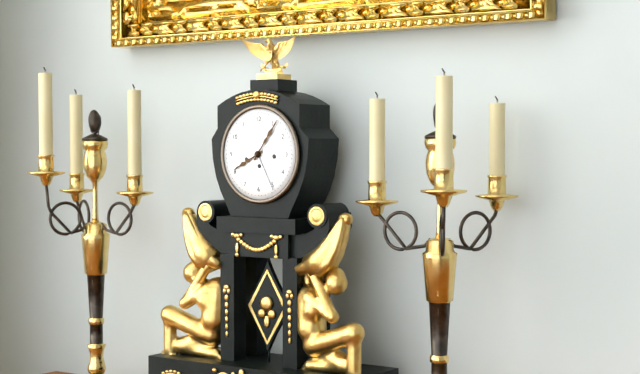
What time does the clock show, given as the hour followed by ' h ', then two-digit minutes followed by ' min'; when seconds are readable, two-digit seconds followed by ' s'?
8 h 06 min
